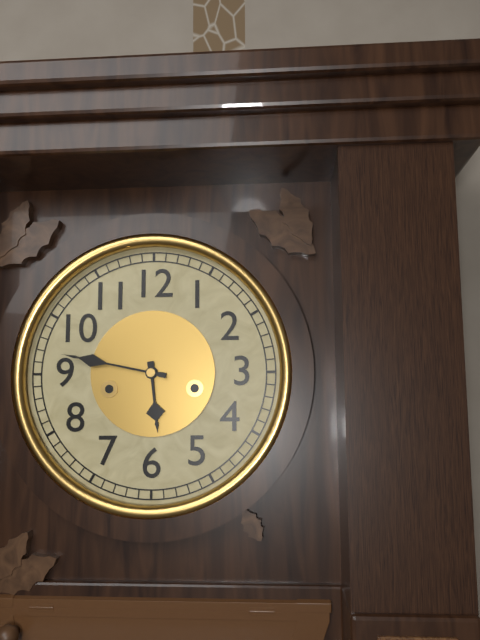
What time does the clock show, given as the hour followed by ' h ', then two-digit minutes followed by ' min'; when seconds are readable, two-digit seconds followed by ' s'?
5 h 47 min
